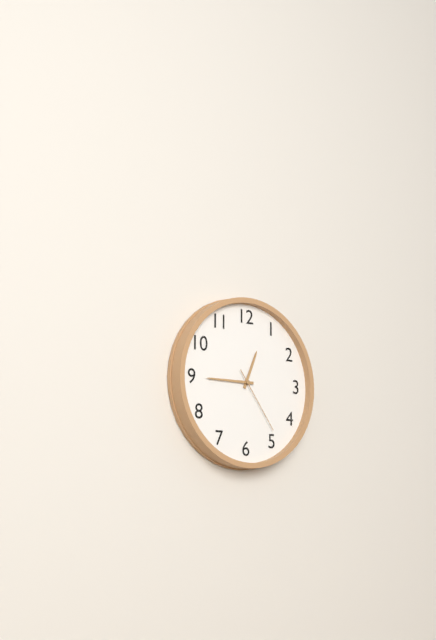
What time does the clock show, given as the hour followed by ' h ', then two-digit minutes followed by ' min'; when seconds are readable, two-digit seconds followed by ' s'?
12 h 45 min 24 s
